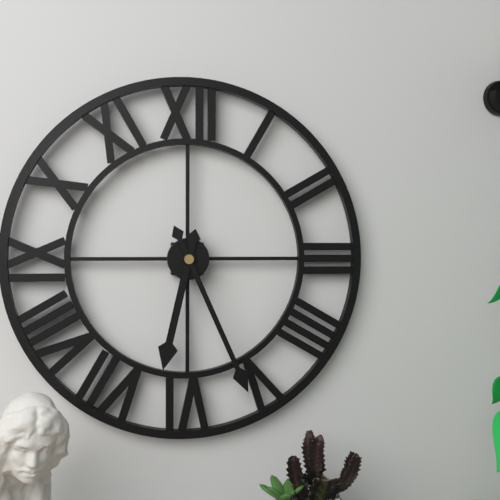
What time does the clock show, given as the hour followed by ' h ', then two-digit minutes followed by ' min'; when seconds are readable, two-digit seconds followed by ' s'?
6 h 26 min
